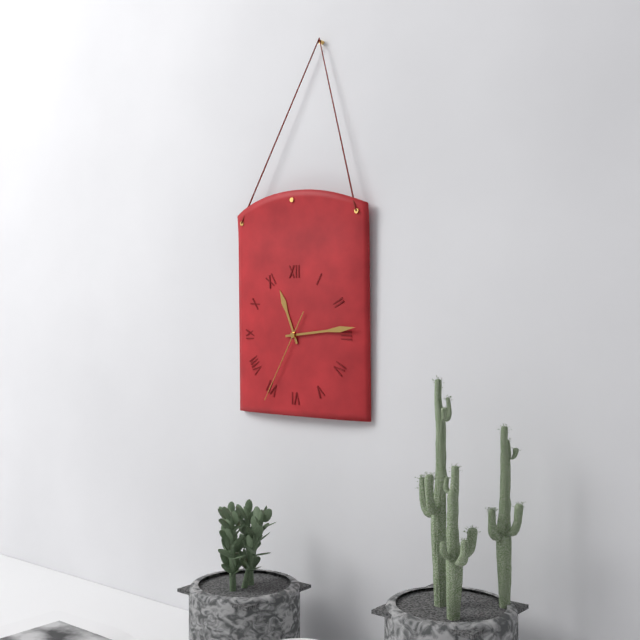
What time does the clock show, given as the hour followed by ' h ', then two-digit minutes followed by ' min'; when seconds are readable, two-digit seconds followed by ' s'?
11 h 14 min 35 s
